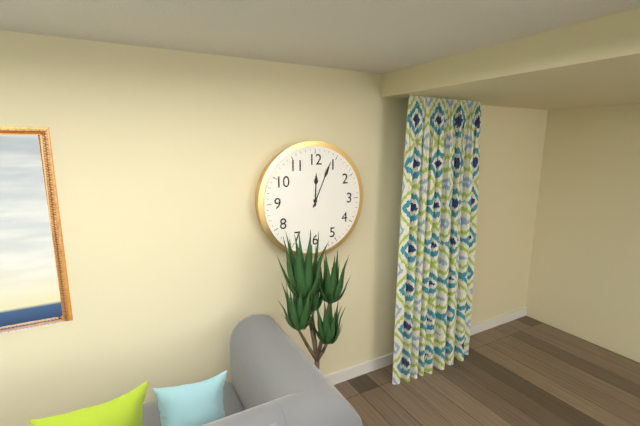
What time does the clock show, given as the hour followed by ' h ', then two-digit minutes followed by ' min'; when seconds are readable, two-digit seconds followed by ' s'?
12 h 04 min
